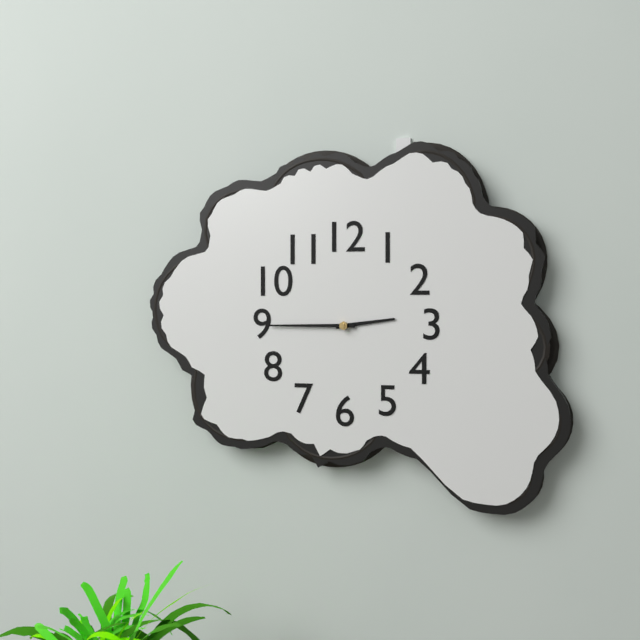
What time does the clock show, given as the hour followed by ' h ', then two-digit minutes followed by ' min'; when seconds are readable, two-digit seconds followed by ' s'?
2 h 45 min
